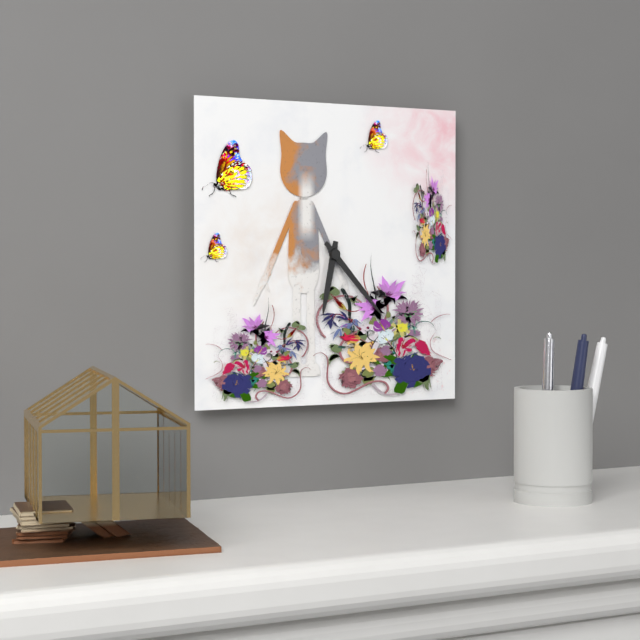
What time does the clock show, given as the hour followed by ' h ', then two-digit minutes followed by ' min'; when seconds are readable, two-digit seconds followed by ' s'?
6 h 23 min
